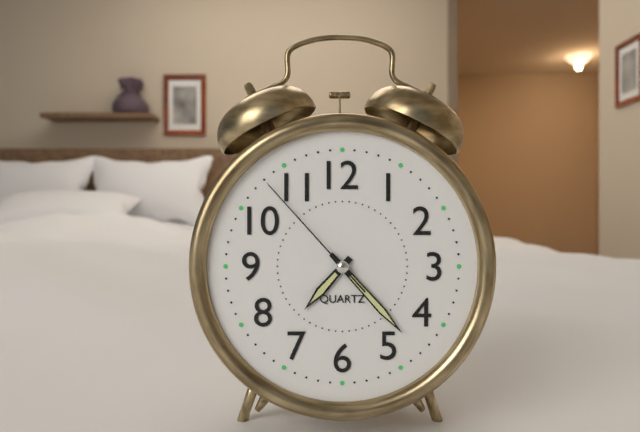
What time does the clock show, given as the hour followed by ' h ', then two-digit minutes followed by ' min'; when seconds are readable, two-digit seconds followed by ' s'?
7 h 23 min 53 s
